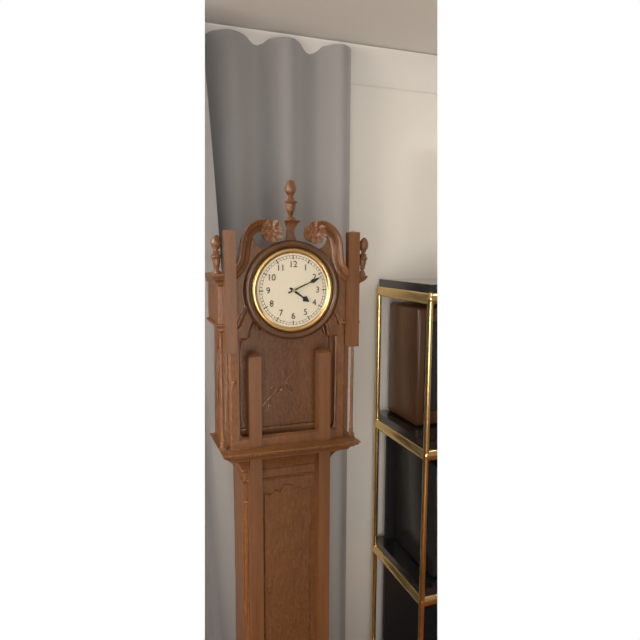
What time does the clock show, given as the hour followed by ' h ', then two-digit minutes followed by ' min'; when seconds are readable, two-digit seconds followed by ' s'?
4 h 11 min
